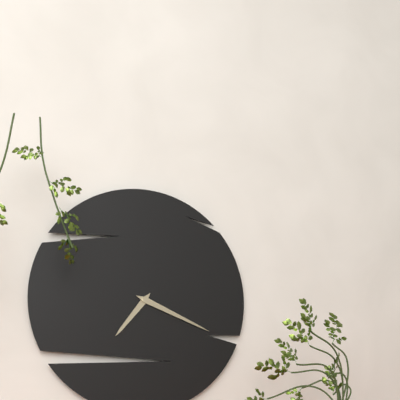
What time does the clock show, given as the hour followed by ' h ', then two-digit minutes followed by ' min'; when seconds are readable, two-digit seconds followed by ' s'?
7 h 19 min
